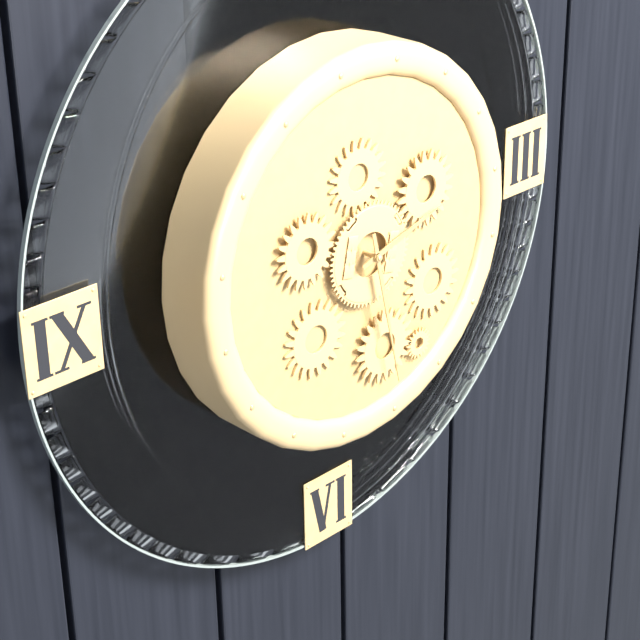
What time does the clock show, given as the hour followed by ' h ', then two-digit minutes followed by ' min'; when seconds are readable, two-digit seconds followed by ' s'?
2 h 28 min
